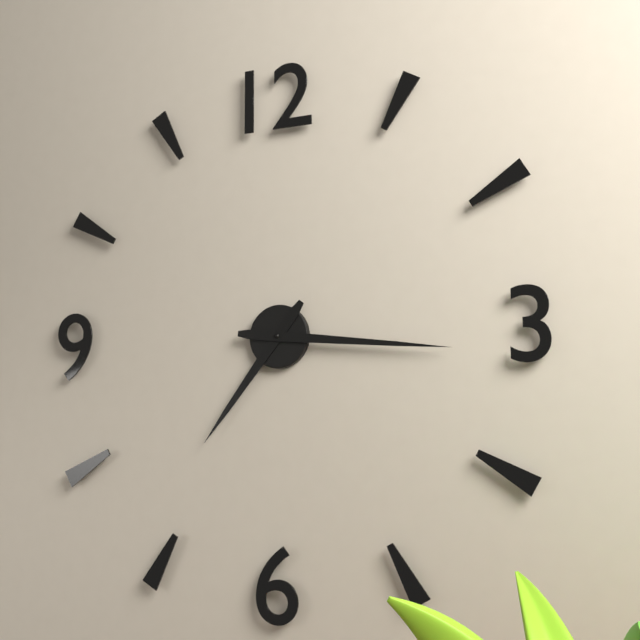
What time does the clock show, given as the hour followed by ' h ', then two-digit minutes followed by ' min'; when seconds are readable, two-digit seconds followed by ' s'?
7 h 16 min
